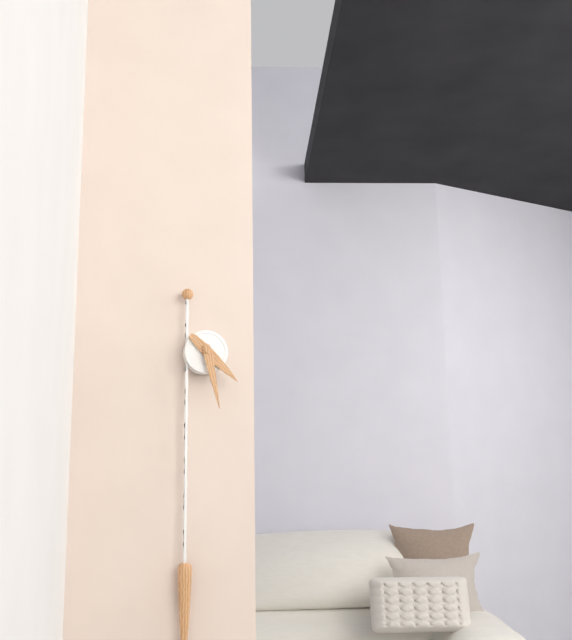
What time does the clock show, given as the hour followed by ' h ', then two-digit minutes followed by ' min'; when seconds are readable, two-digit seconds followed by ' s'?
4 h 28 min
